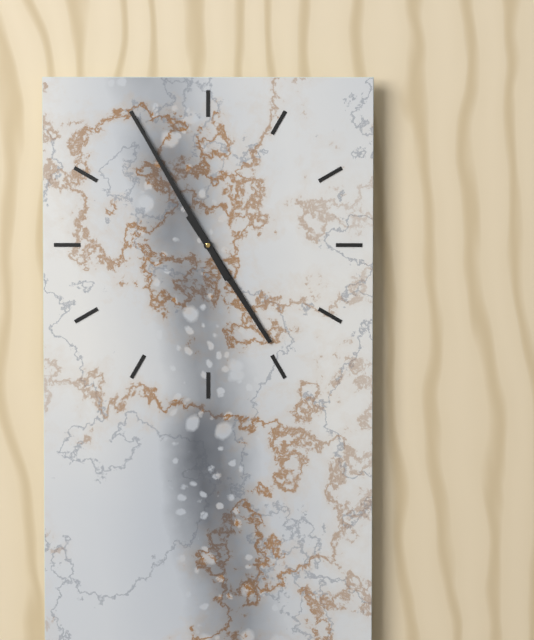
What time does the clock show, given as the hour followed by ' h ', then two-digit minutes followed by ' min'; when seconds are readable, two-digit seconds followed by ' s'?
4 h 55 min
